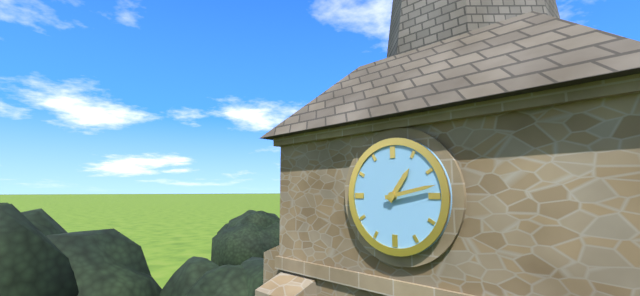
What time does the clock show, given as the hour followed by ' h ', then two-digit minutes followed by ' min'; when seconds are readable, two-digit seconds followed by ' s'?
1 h 13 min
